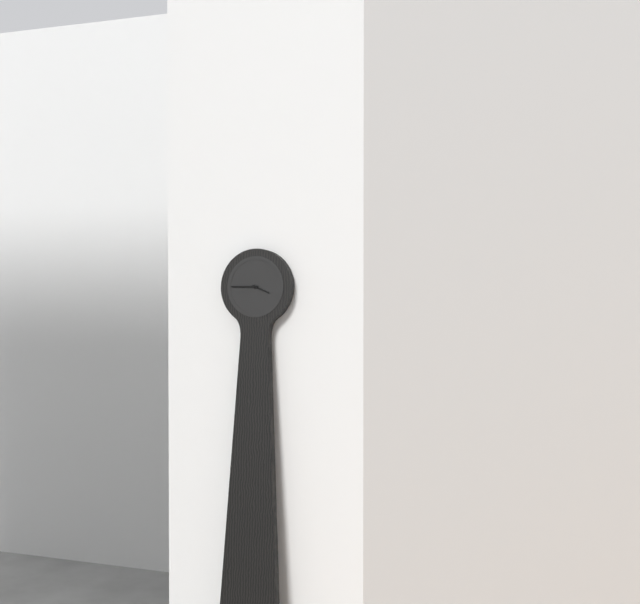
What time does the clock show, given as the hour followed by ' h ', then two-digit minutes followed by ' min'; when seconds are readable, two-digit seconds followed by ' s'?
3 h 45 min
